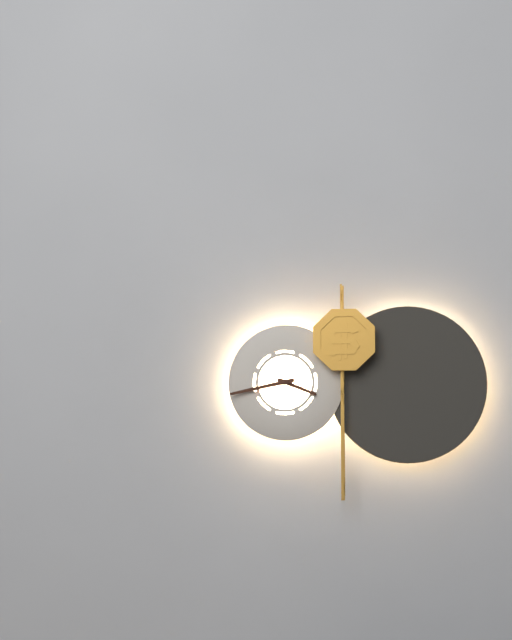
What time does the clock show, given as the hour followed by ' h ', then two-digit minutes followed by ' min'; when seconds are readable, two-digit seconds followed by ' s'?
3 h 43 min
